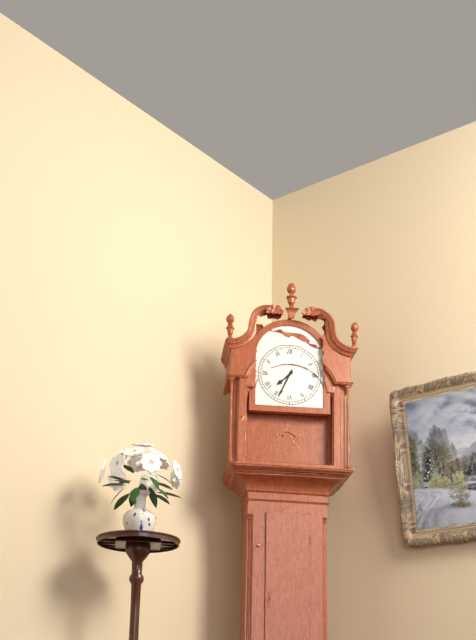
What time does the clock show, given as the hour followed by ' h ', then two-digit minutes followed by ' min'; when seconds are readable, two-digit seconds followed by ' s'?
7 h 34 min
